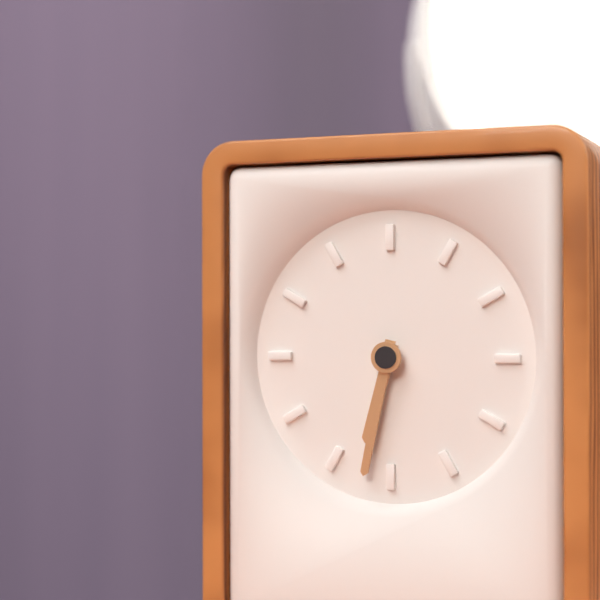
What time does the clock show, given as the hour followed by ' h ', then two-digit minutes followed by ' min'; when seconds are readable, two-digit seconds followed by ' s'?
6 h 32 min
